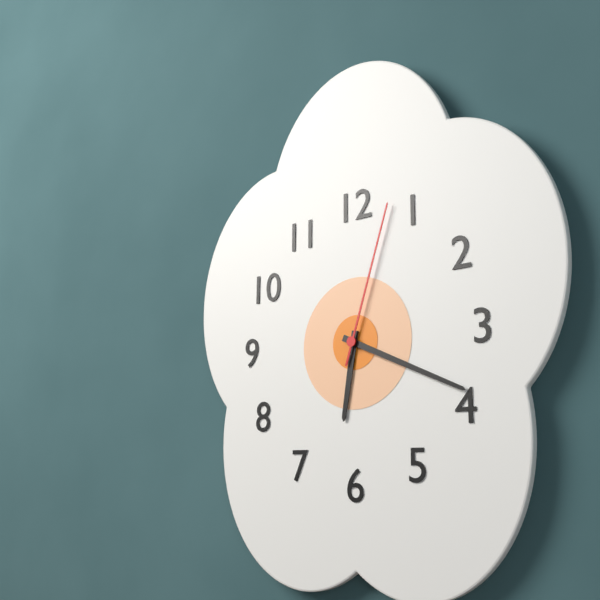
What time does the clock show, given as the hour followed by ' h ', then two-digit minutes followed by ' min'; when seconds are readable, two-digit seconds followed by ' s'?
6 h 19 min 03 s
